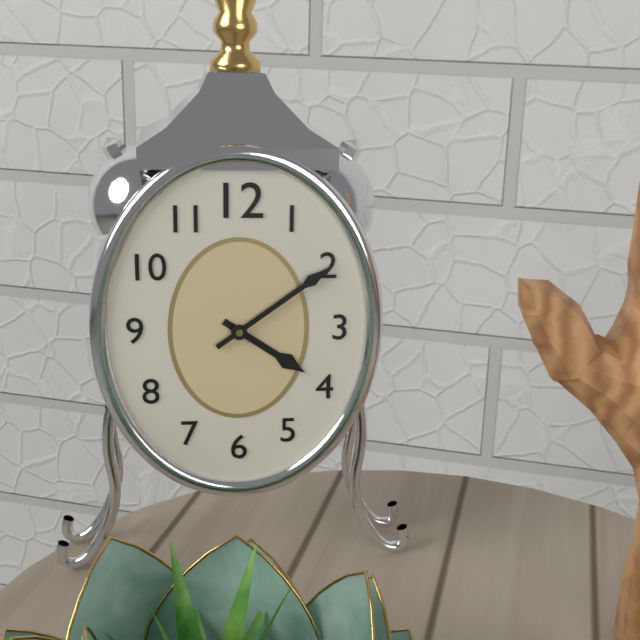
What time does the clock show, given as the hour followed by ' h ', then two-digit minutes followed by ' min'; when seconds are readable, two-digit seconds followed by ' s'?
4 h 09 min
